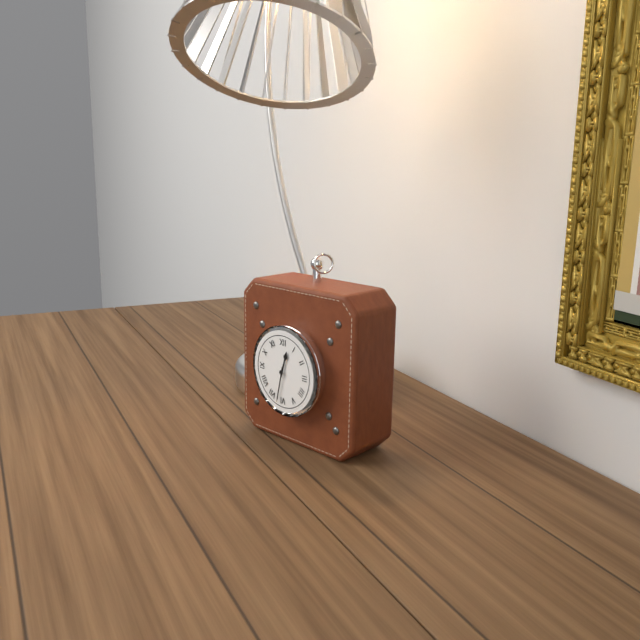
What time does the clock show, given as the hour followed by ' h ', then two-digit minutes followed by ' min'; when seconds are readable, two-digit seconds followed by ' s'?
12 h 32 min
